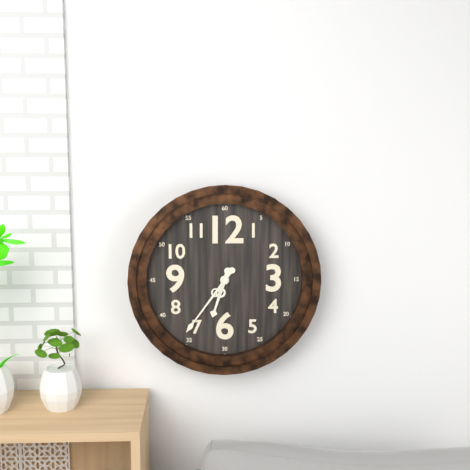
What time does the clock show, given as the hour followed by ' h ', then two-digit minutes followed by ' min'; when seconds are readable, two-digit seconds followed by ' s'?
6 h 36 min
